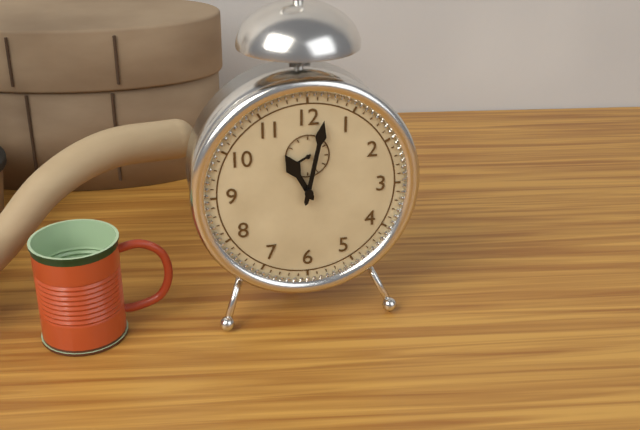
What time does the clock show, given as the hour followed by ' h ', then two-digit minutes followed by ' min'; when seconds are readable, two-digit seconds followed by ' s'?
11 h 02 min
